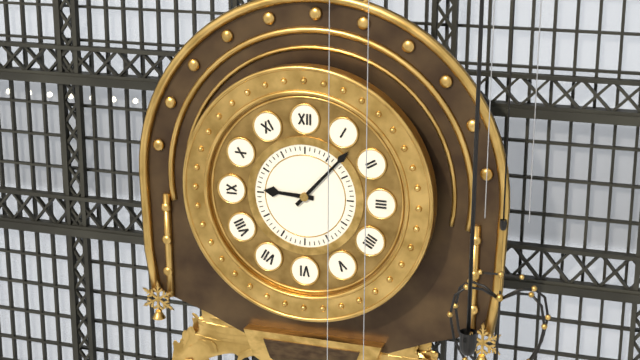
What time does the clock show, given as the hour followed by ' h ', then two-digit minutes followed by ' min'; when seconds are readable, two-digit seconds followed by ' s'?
9 h 07 min
